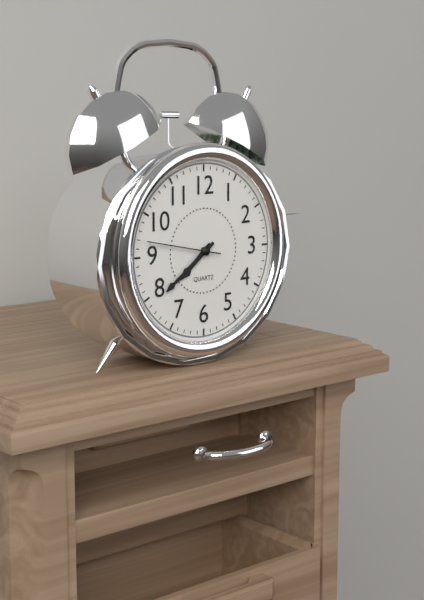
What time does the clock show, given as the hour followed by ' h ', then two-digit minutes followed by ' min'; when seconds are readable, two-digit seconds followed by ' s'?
7 h 39 min 47 s
